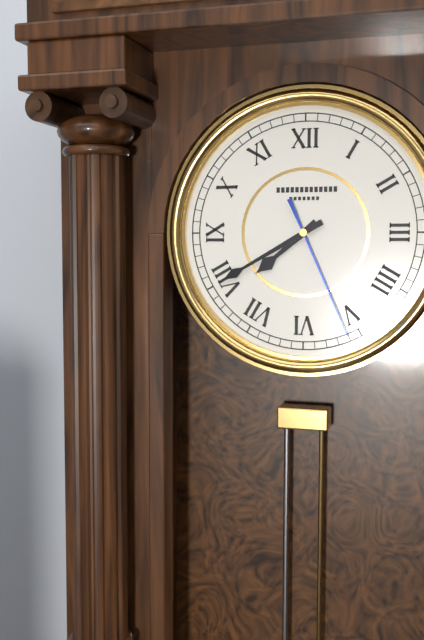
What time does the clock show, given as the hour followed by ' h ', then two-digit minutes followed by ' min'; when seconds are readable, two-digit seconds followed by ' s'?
7 h 40 min 26 s
